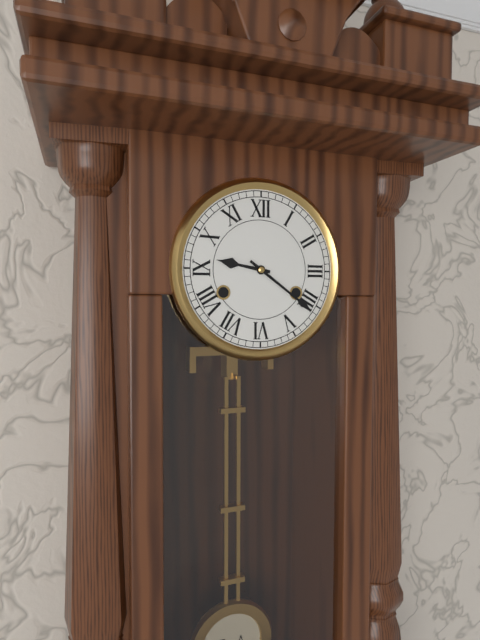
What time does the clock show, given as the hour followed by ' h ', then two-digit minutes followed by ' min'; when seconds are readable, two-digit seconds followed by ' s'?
9 h 21 min
